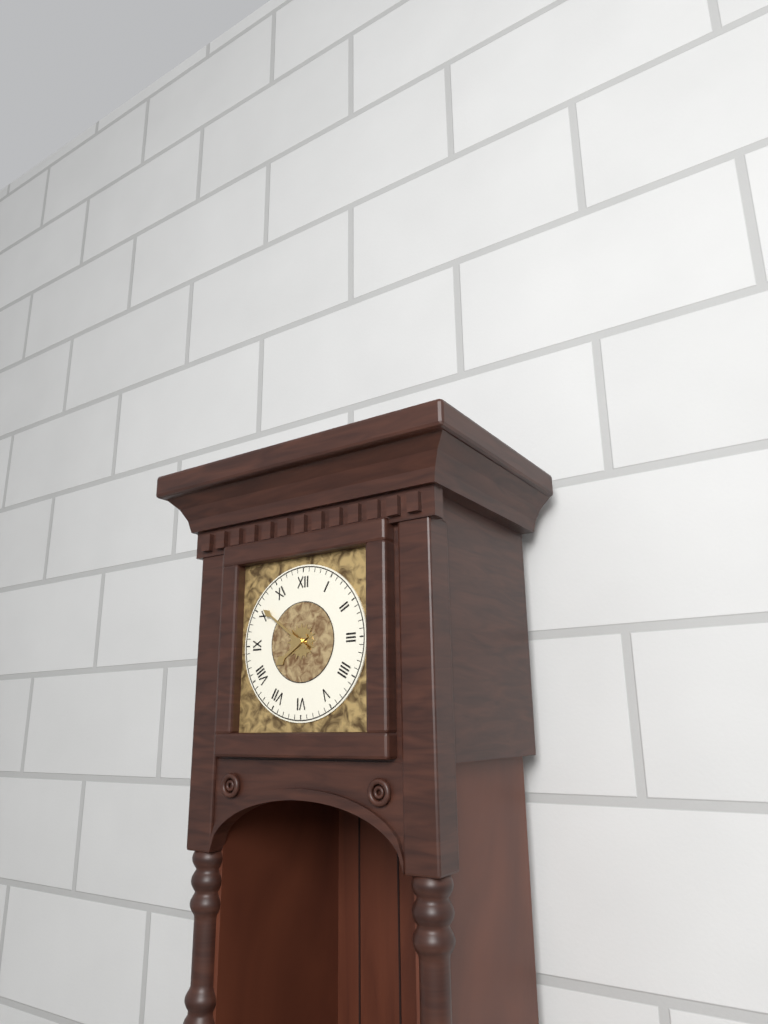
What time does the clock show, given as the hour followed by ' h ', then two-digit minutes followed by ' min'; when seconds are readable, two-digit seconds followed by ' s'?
7 h 51 min
